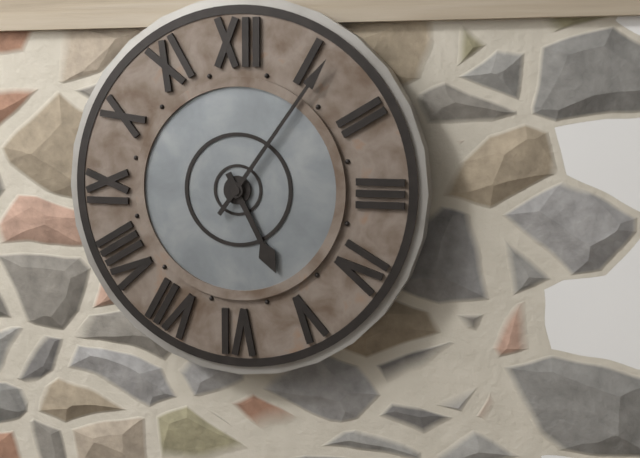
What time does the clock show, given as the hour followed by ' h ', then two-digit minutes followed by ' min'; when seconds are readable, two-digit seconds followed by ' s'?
5 h 06 min
